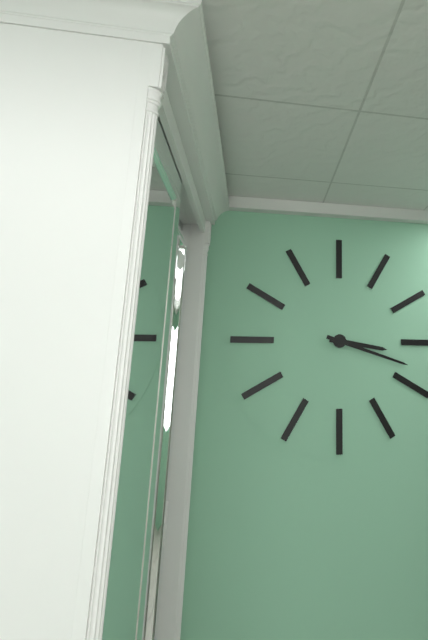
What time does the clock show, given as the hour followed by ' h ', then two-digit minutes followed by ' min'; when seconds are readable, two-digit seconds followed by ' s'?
3 h 18 min
